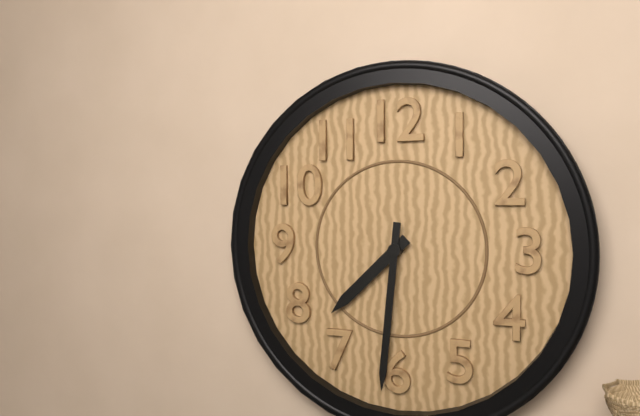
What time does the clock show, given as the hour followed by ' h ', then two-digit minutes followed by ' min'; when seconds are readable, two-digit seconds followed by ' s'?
7 h 31 min
